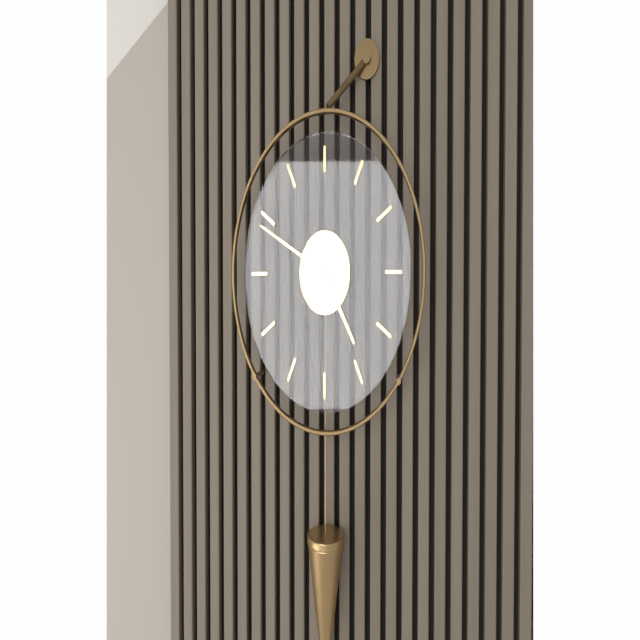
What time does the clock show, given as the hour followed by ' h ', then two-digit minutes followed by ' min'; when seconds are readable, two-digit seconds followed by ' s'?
4 h 49 min
